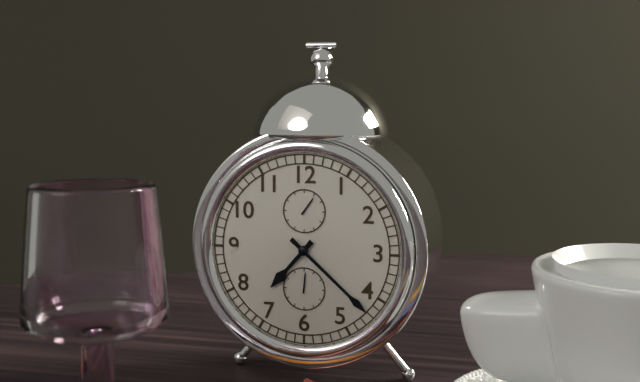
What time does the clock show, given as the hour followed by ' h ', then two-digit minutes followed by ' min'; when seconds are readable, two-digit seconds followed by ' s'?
7 h 22 min
